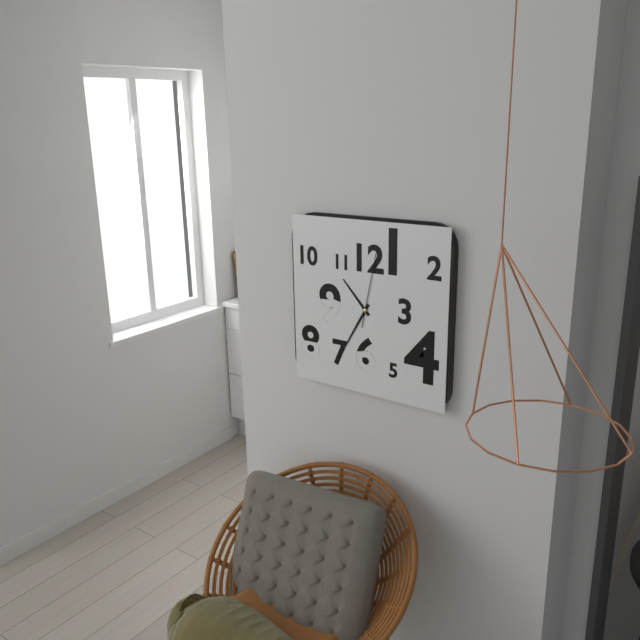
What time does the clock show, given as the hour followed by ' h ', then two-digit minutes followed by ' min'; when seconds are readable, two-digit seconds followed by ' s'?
10 h 35 min 02 s
